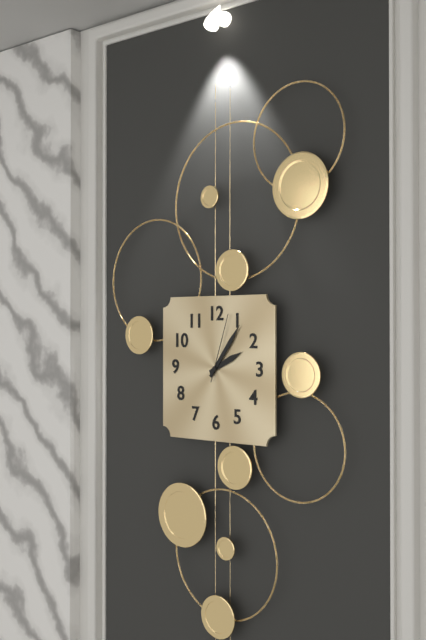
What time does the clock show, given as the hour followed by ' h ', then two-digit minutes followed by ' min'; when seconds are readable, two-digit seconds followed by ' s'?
2 h 06 min 03 s
